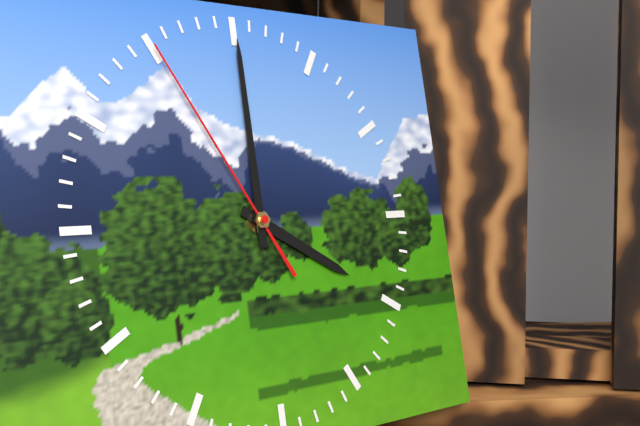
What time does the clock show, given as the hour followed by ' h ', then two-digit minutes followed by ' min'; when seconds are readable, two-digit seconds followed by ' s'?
4 h 00 min 55 s
